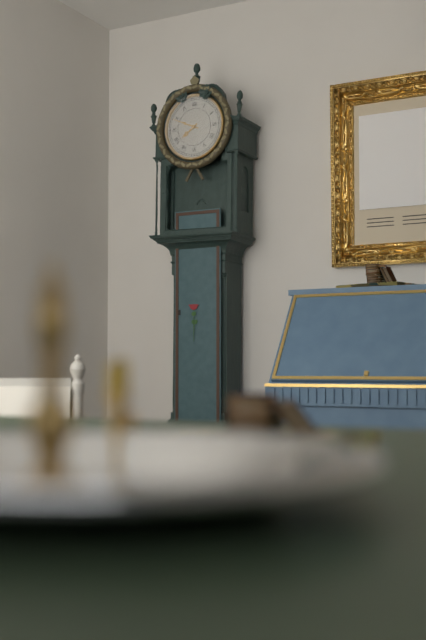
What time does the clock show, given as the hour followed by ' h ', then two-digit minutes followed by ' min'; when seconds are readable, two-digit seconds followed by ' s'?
7 h 49 min
